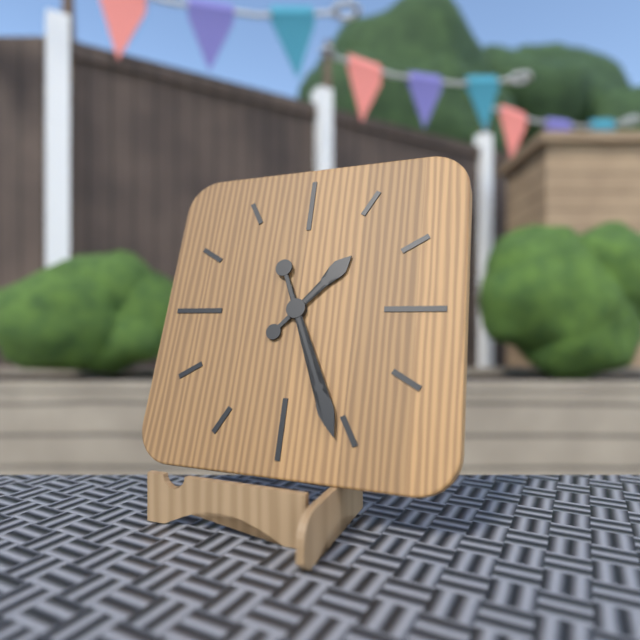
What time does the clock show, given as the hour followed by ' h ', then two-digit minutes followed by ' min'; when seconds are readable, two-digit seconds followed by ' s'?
1 h 26 min
